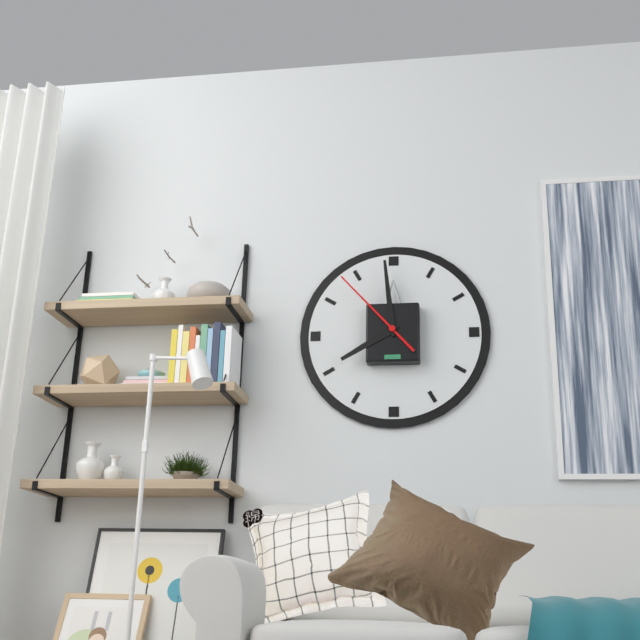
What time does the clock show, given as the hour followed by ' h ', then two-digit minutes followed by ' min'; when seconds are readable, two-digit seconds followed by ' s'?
7 h 59 min 53 s
